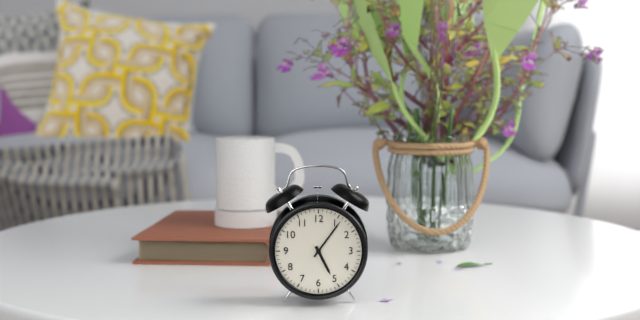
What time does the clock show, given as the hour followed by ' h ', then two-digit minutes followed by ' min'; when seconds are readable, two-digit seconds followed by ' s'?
5 h 06 min
